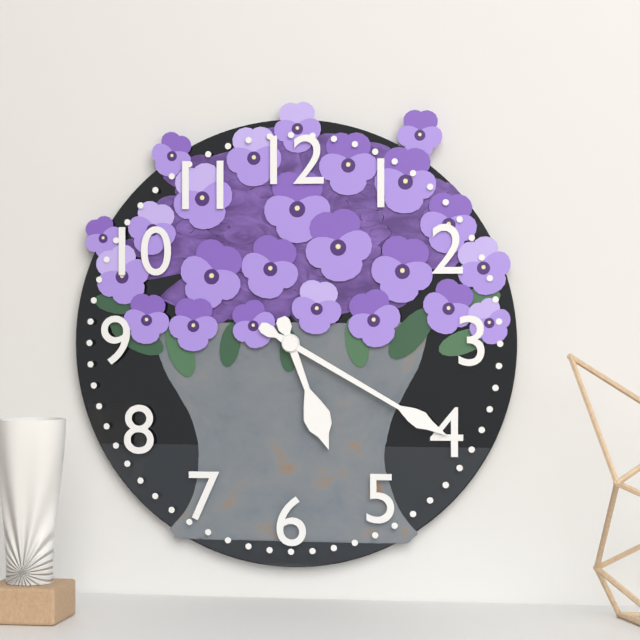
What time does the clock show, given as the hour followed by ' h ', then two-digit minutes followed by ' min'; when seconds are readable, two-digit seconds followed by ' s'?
5 h 20 min
